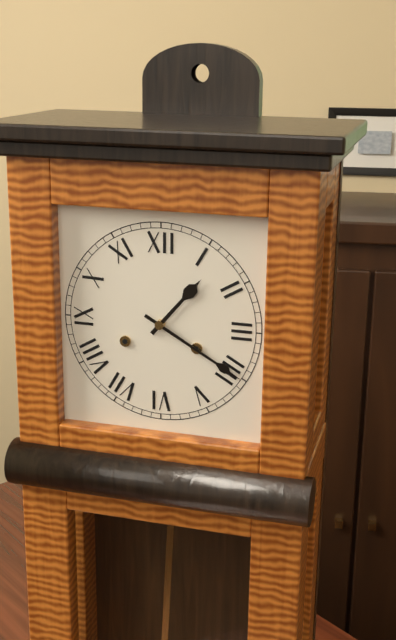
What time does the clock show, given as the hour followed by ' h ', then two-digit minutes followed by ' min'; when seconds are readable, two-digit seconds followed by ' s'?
1 h 20 min
